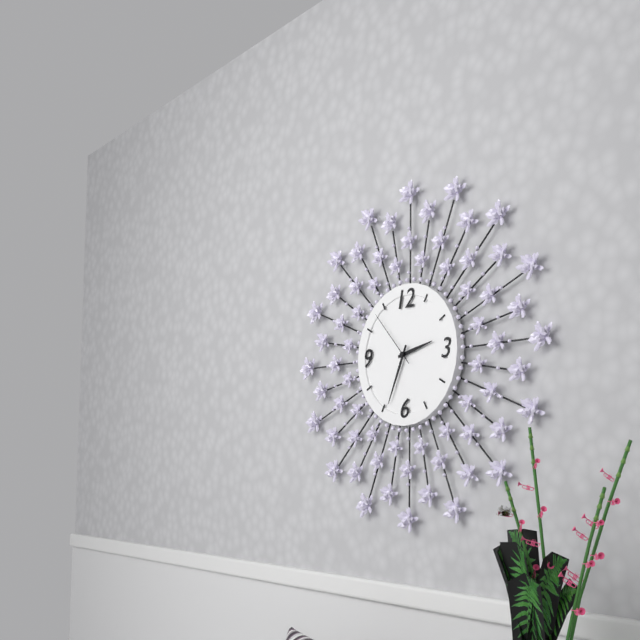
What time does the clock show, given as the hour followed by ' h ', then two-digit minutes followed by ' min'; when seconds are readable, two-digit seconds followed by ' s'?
2 h 34 min 53 s
